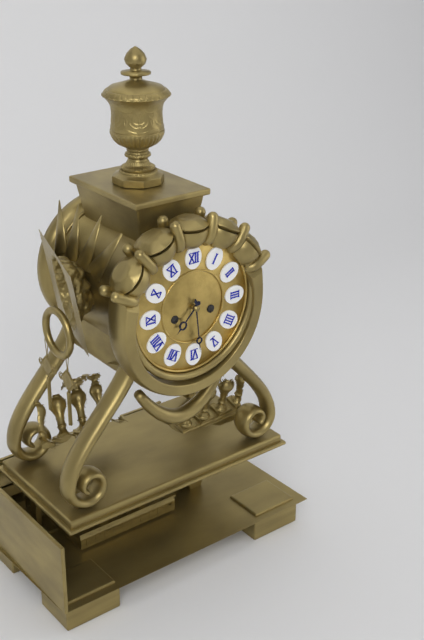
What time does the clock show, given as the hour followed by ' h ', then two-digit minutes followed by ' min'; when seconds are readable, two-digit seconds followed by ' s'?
7 h 29 min
